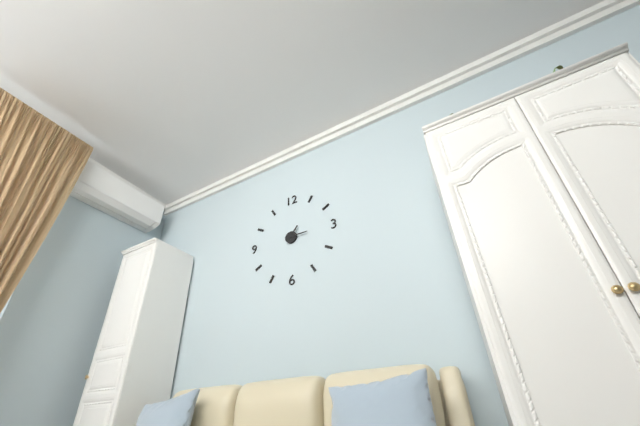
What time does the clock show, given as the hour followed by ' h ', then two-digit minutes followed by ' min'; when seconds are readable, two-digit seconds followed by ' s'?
1 h 15 min
